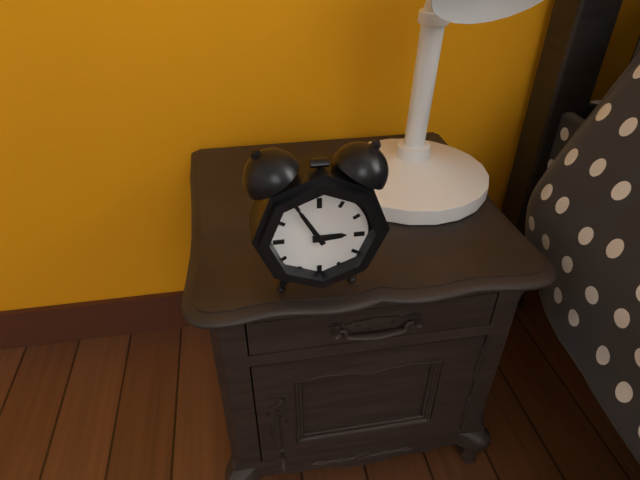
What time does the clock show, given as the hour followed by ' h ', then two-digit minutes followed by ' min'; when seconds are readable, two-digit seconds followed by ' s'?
2 h 55 min
